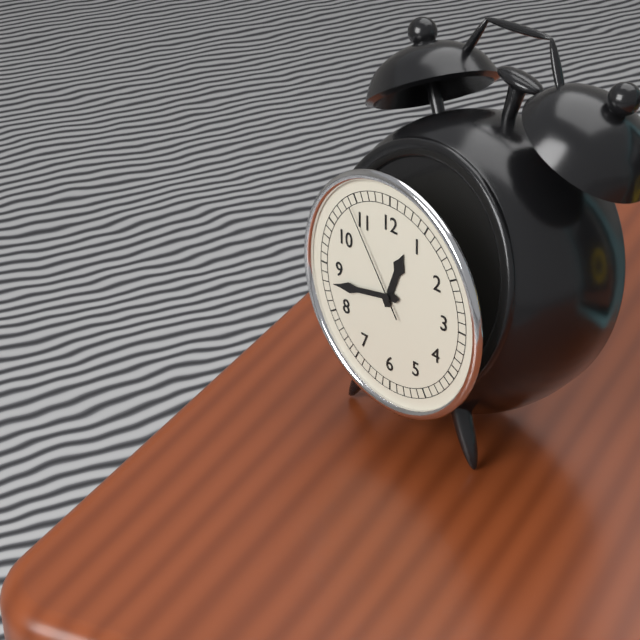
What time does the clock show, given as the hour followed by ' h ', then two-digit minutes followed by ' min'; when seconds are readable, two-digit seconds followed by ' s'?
12 h 43 min 54 s
